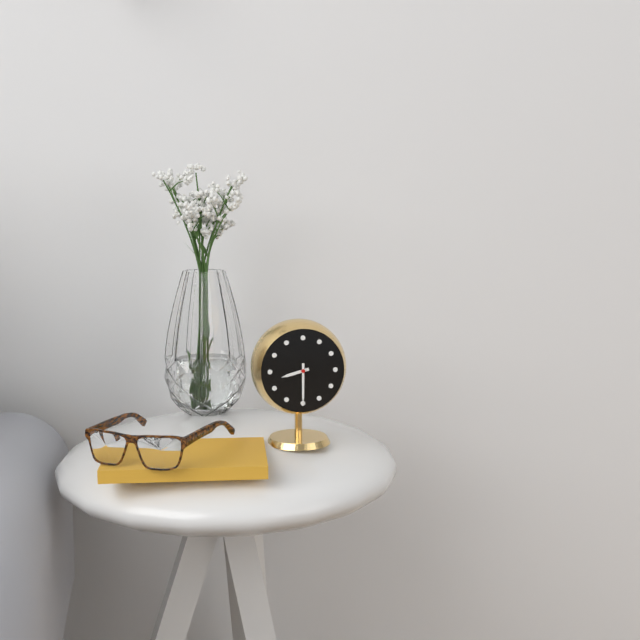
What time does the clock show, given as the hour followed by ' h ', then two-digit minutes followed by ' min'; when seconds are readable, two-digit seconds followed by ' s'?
8 h 30 min
